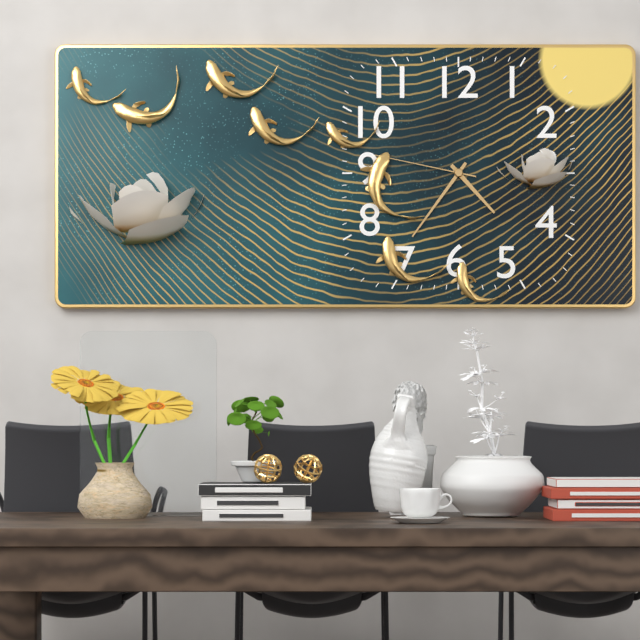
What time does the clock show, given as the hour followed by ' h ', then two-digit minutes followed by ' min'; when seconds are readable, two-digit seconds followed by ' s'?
4 h 36 min 47 s
